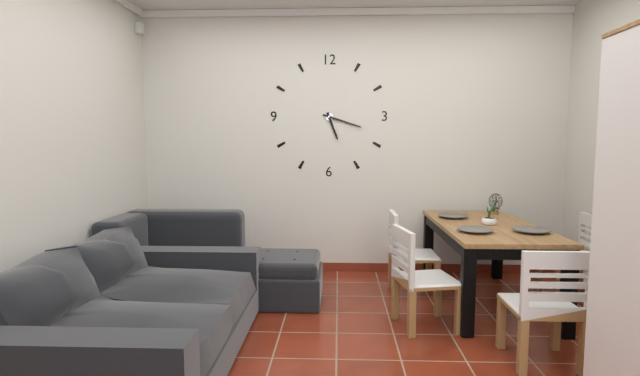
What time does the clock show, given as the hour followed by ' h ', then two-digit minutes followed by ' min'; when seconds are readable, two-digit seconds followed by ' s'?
5 h 18 min
